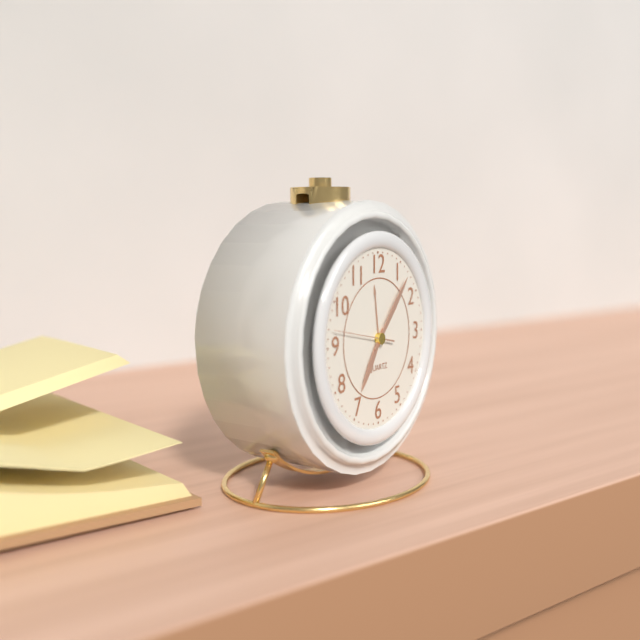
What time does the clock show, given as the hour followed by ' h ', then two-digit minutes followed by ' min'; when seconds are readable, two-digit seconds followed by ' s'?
7 h 07 min 47 s
